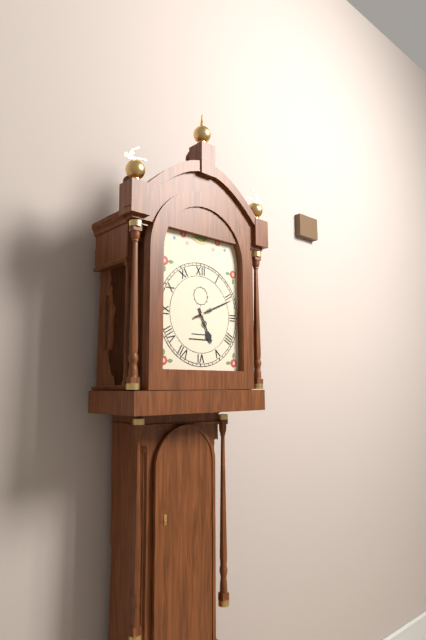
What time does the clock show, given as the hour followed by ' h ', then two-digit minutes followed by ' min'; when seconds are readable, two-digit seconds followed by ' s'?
5 h 11 min
